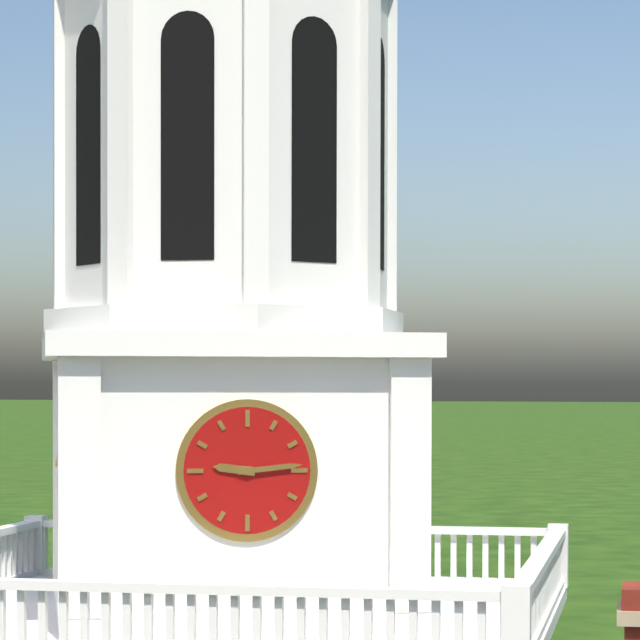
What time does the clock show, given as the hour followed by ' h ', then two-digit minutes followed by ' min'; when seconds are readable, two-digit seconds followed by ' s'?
9 h 14 min
